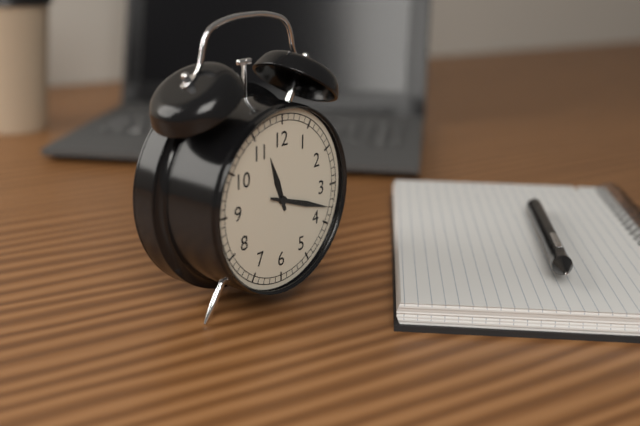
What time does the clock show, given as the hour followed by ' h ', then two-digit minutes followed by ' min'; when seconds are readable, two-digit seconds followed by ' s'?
11 h 18 min 18 s
